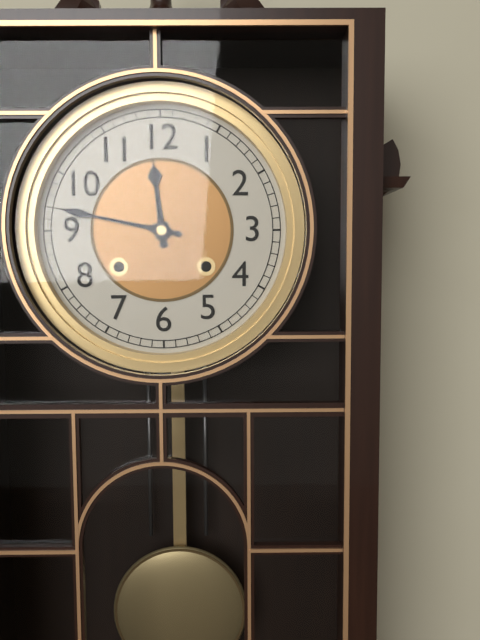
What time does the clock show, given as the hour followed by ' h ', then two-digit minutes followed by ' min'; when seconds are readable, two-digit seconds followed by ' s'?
11 h 47 min
